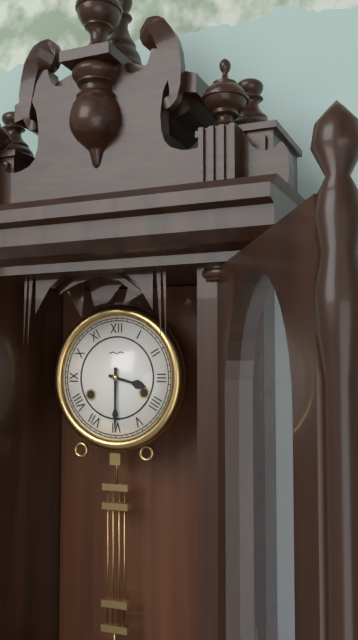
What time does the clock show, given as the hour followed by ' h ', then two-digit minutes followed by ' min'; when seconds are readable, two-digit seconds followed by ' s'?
3 h 30 min
